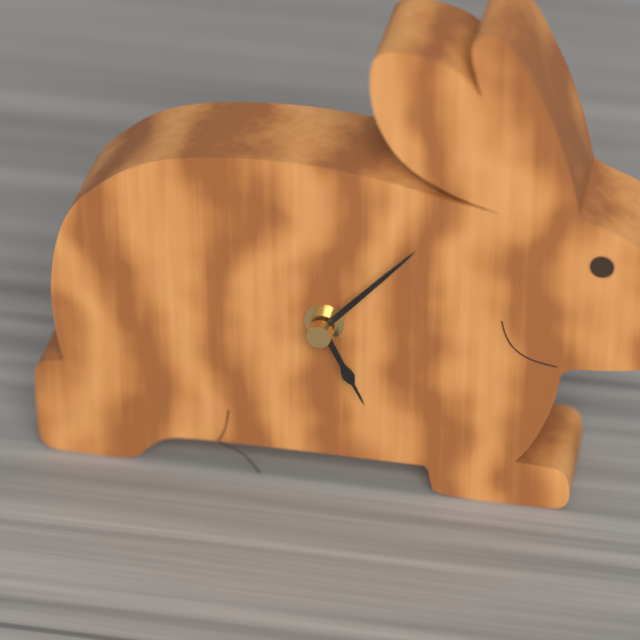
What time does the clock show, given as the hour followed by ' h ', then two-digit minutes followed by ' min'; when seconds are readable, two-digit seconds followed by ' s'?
5 h 07 min
